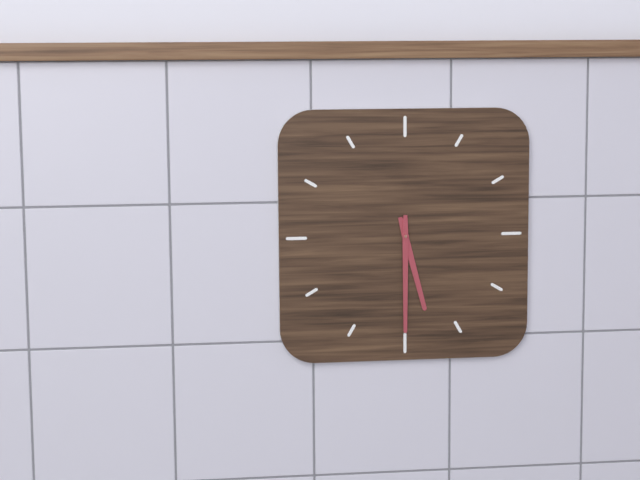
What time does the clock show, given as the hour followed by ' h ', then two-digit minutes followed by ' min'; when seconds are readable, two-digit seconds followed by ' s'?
5 h 30 min
